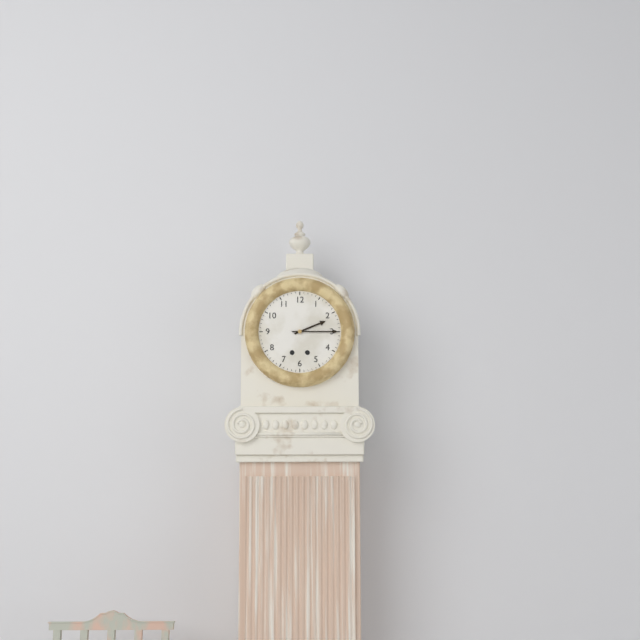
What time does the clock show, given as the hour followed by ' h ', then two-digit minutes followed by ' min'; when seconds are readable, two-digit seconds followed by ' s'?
2 h 15 min
